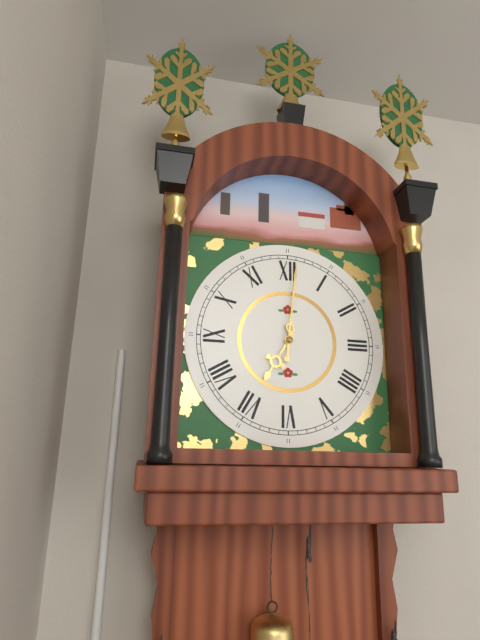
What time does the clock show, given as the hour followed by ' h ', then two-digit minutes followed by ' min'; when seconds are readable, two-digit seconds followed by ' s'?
7 h 01 min
